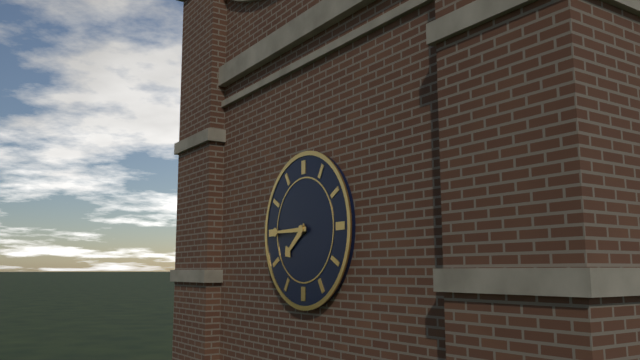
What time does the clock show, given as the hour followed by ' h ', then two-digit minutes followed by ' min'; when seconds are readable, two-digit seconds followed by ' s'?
7 h 45 min
